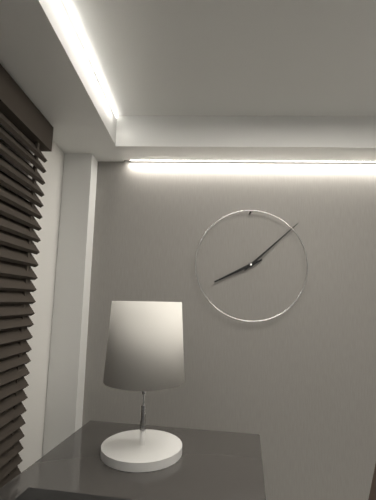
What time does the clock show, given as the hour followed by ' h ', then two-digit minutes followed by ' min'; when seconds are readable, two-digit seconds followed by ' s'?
8 h 08 min
